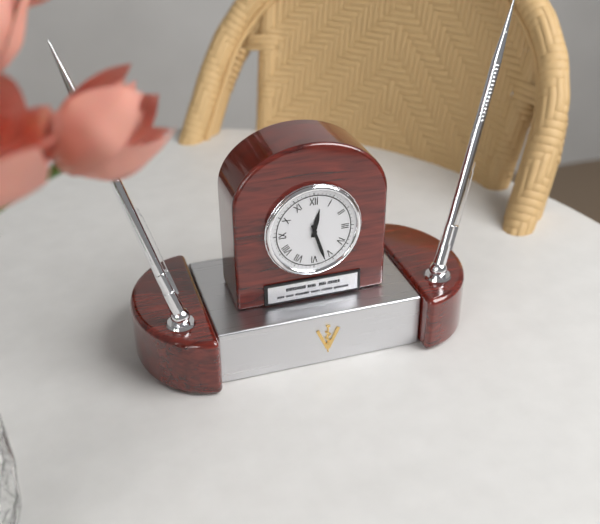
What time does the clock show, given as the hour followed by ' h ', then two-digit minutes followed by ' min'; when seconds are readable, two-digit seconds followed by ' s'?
12 h 27 min
